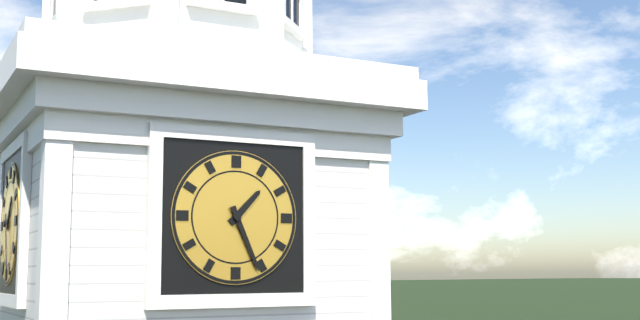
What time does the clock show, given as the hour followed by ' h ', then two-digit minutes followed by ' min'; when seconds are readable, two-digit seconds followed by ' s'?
1 h 26 min
